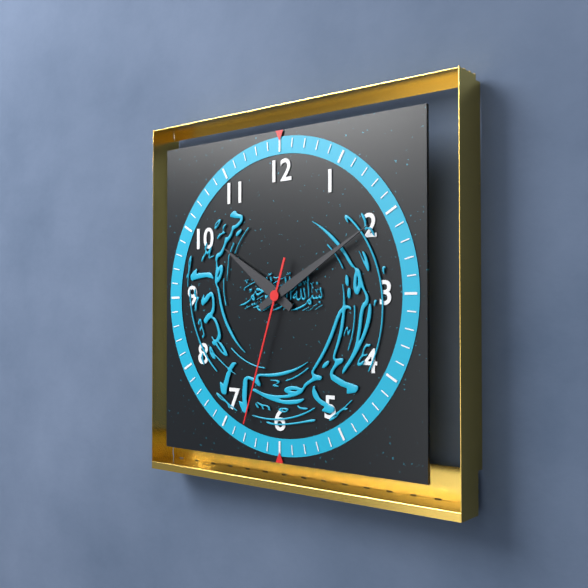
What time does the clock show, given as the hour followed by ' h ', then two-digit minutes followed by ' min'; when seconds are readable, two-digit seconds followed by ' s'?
10 h 10 min 33 s
